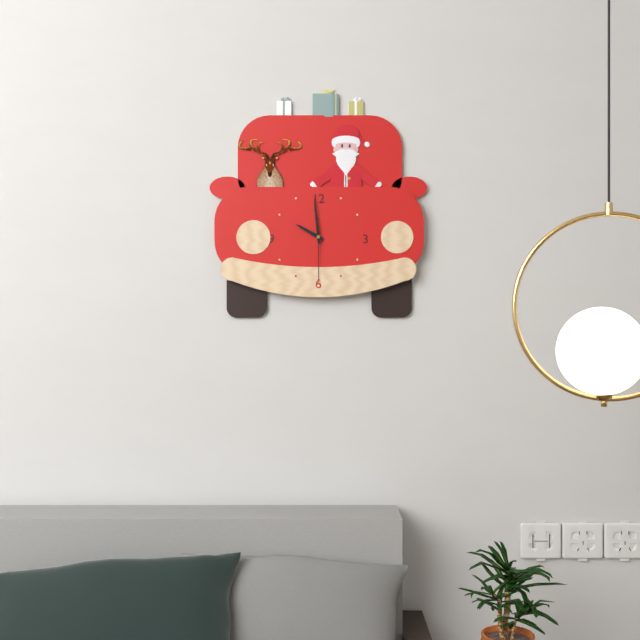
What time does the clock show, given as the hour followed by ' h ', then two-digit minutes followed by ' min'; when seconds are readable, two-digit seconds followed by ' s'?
9 h 59 min 30 s
